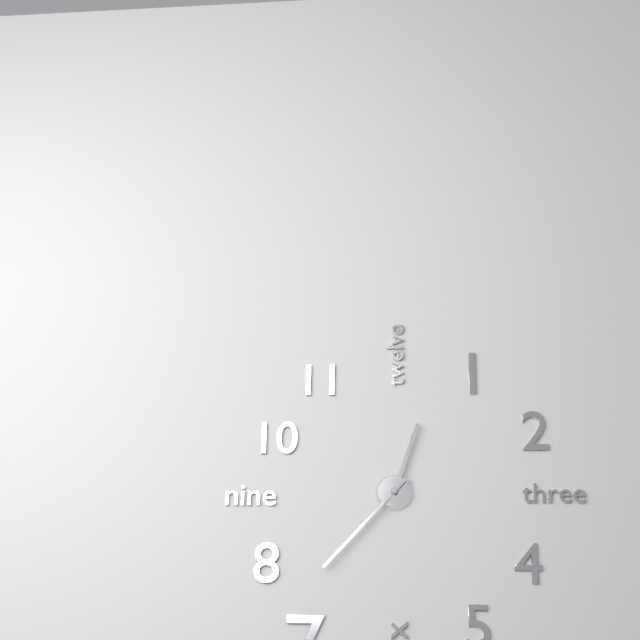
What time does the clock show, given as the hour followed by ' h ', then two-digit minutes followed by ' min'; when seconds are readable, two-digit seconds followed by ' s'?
12 h 37 min
